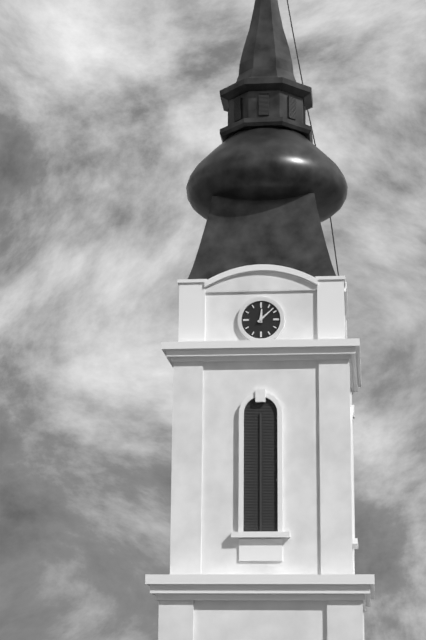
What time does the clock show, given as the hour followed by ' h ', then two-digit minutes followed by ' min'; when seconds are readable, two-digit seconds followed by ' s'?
12 h 08 min
